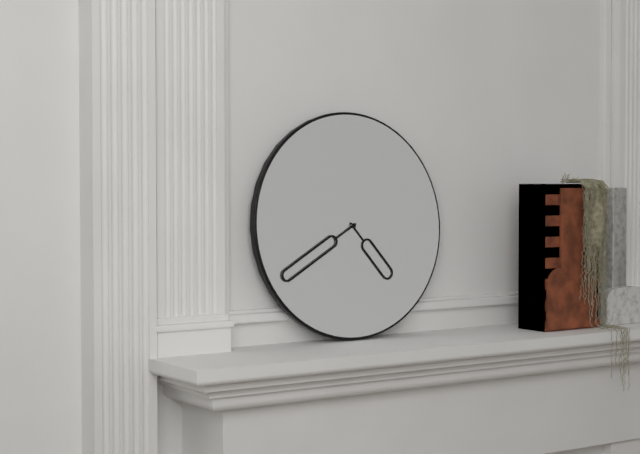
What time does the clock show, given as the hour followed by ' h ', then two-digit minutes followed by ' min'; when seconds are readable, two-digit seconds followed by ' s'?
4 h 40 min
